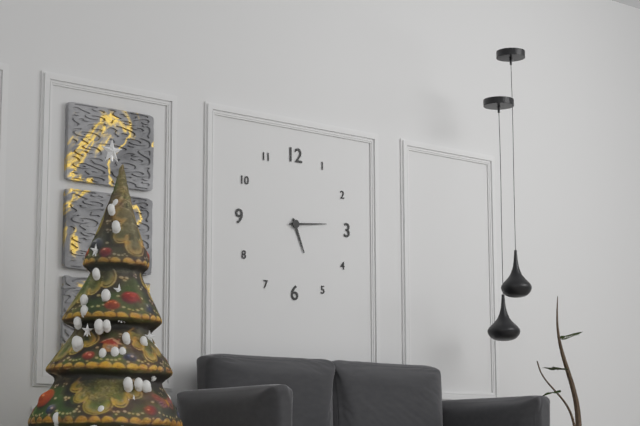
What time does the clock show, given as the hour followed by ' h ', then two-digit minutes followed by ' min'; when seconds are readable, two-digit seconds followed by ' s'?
5 h 14 min
